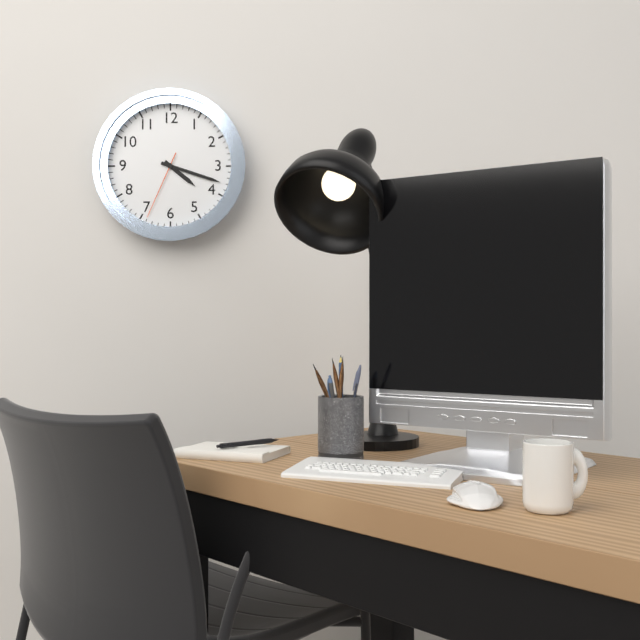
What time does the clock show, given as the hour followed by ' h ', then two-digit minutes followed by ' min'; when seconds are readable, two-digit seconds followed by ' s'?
4 h 18 min 34 s
